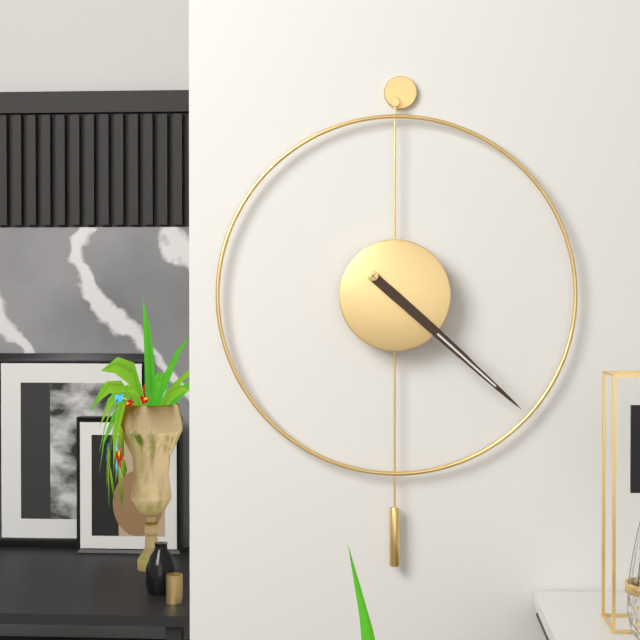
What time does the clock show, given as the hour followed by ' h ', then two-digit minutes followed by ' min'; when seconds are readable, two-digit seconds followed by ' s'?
4 h 22 min
